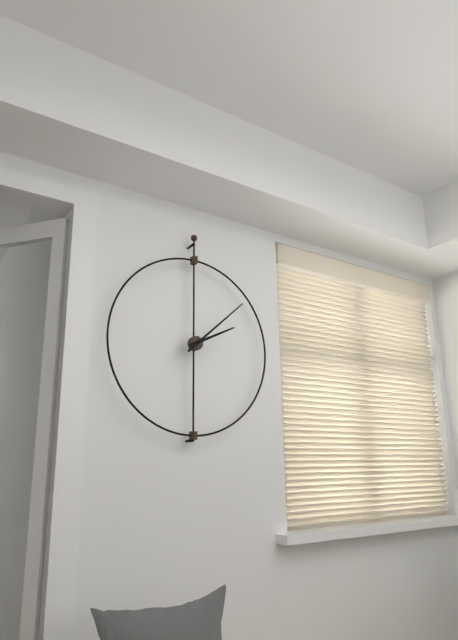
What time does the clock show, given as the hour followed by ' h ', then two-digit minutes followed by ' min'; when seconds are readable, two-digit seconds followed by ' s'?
2 h 08 min
